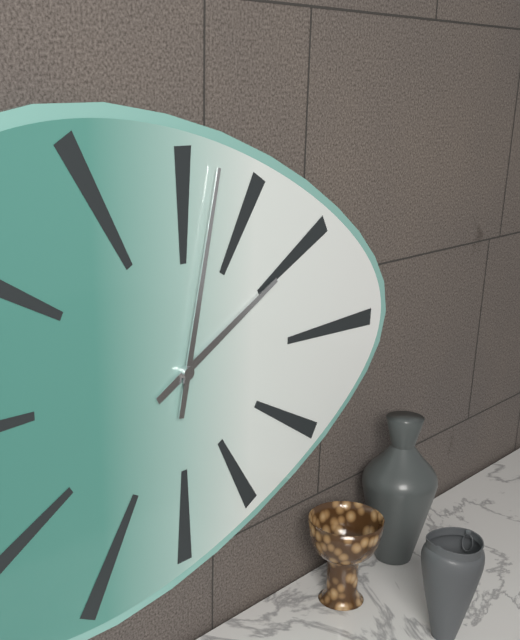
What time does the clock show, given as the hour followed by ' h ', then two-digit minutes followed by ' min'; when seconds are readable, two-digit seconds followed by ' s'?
2 h 02 min
